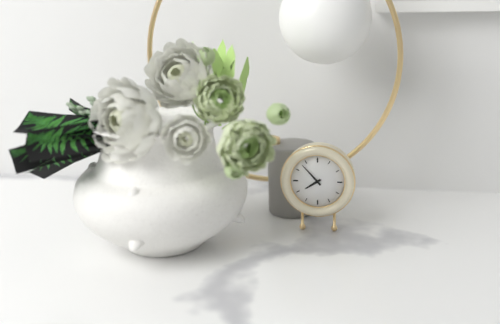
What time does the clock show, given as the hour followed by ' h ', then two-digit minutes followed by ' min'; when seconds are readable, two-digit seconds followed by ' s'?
7 h 53 min
